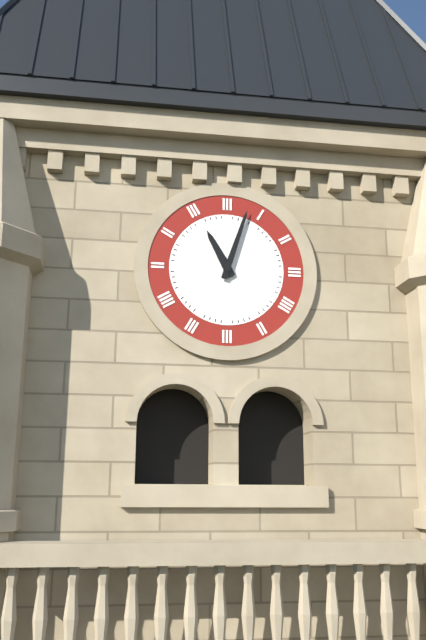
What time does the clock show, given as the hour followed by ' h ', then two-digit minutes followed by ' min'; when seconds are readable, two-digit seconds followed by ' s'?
11 h 03 min
